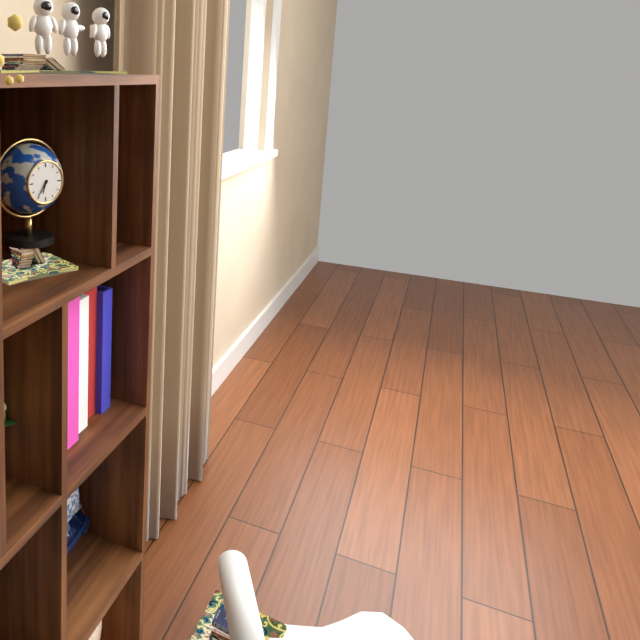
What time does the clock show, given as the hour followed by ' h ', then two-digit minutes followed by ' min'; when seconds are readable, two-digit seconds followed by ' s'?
6 h 36 min
